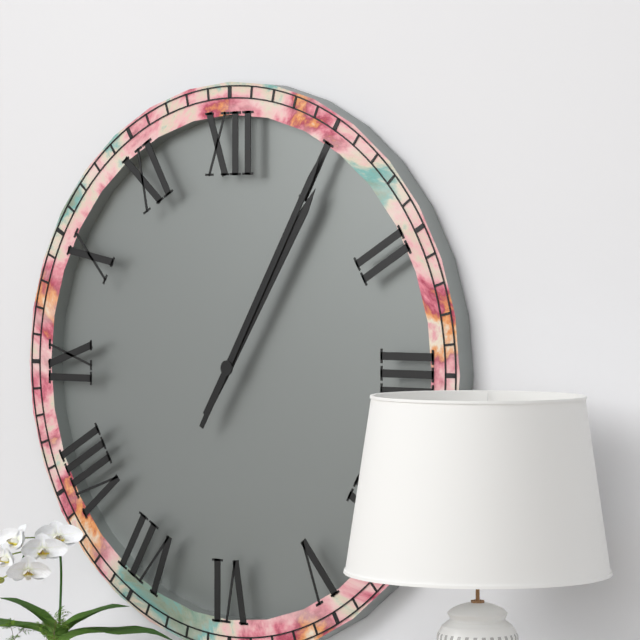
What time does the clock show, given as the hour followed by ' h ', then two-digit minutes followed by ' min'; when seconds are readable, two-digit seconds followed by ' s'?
1 h 05 min
